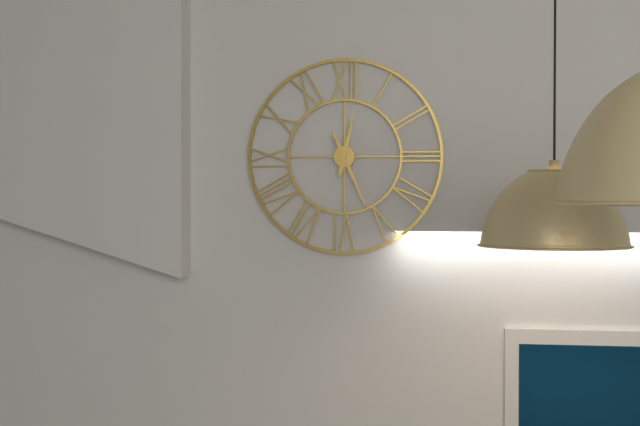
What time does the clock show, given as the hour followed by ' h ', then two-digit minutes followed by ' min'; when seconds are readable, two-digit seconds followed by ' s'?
12 h 26 min
